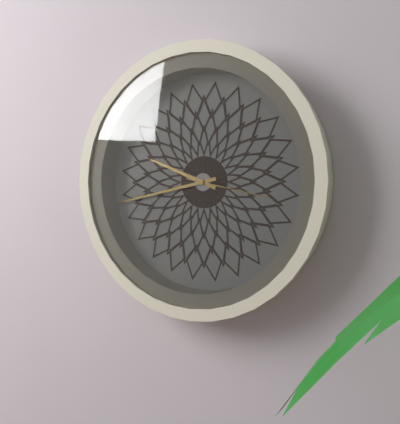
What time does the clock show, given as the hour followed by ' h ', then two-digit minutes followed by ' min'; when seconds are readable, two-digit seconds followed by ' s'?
9 h 43 min 17 s
